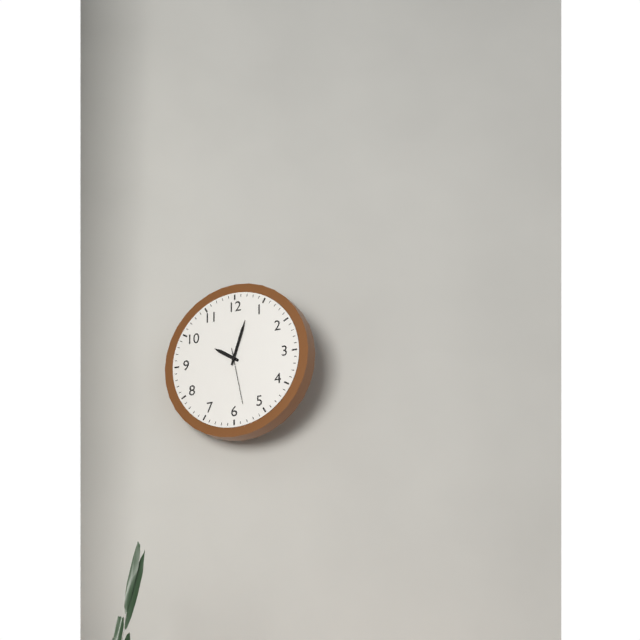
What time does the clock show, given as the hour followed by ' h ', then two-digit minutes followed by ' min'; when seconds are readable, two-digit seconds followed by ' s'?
10 h 03 min 28 s
